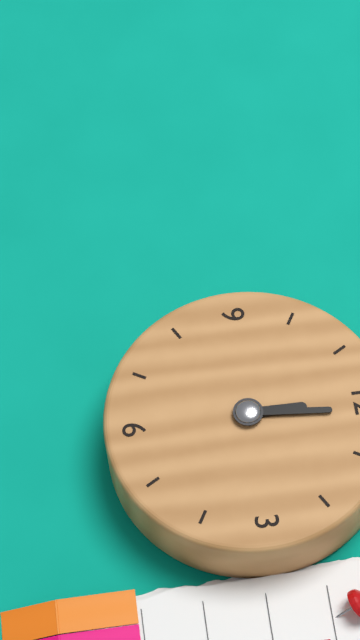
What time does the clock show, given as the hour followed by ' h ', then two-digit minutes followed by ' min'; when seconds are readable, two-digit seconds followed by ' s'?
12 h 01 min
